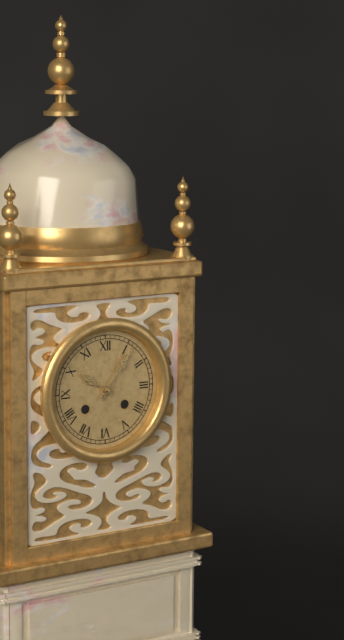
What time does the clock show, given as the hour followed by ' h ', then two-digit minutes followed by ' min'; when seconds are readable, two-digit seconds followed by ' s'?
10 h 06 min
